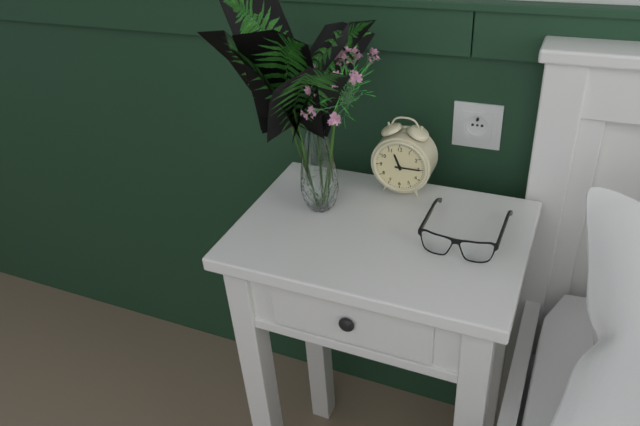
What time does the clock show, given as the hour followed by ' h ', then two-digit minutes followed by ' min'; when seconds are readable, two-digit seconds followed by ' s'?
11 h 15 min
